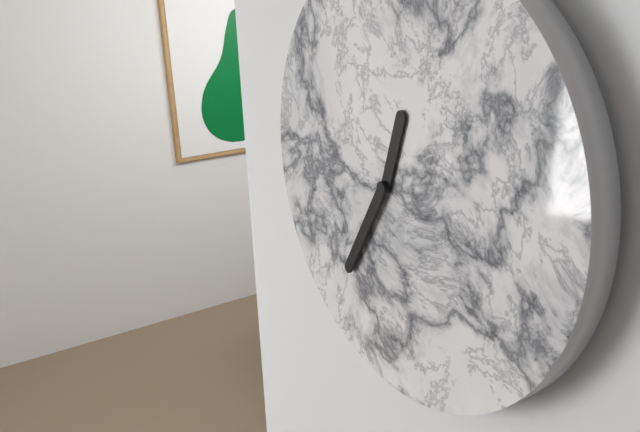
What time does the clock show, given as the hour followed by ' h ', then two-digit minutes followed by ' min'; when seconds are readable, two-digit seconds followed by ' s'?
12 h 35 min
